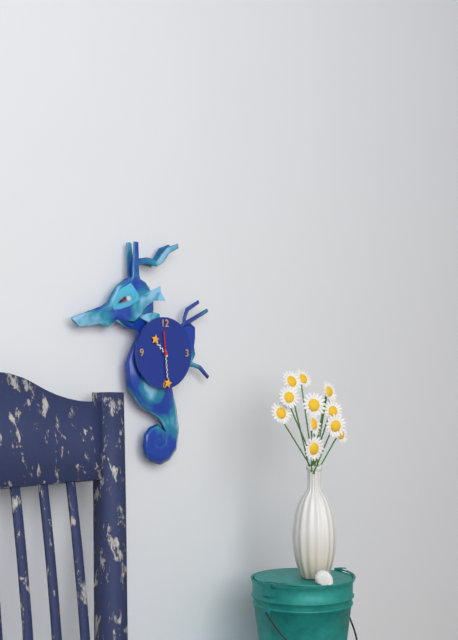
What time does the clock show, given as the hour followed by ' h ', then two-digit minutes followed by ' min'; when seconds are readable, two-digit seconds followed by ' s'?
10 h 29 min
